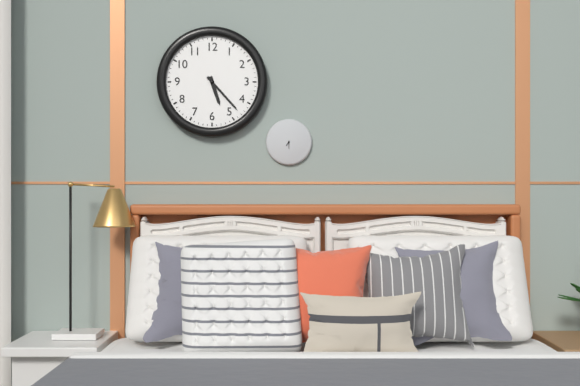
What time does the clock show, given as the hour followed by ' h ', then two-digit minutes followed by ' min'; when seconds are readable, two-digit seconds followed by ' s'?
5 h 23 min
